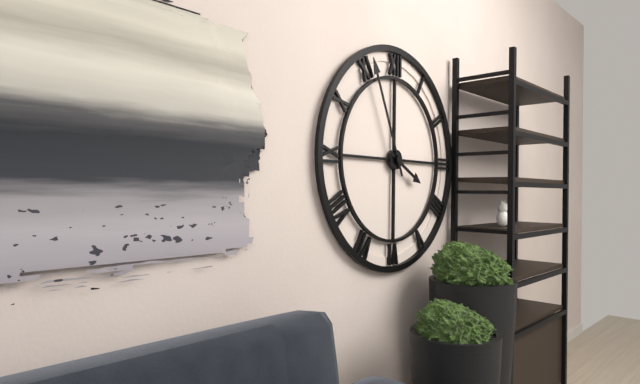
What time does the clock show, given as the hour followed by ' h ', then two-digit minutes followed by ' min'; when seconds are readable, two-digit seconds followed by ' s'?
3 h 56 min
